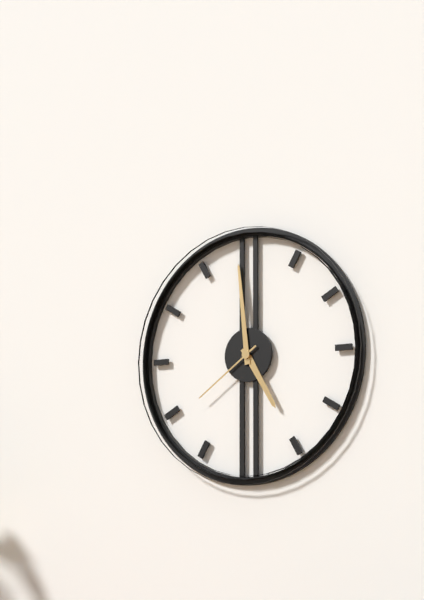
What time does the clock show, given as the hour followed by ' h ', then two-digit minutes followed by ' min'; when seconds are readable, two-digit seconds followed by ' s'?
4 h 59 min 39 s
